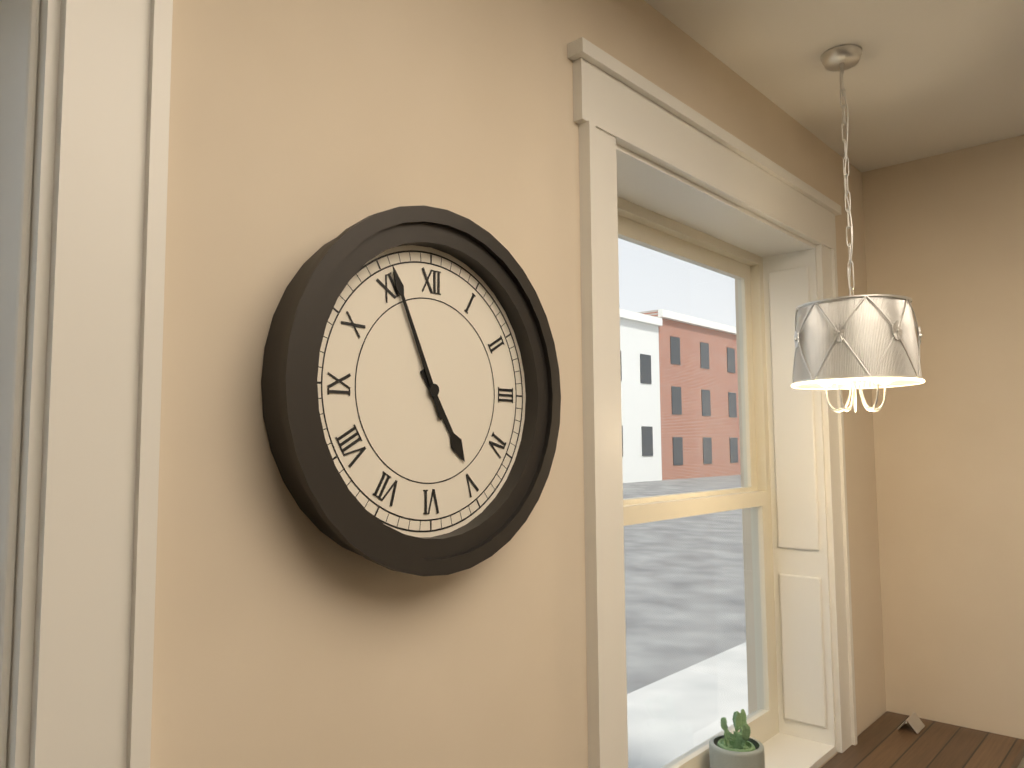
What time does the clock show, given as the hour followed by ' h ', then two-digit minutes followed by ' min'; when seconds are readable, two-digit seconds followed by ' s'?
4 h 56 min
